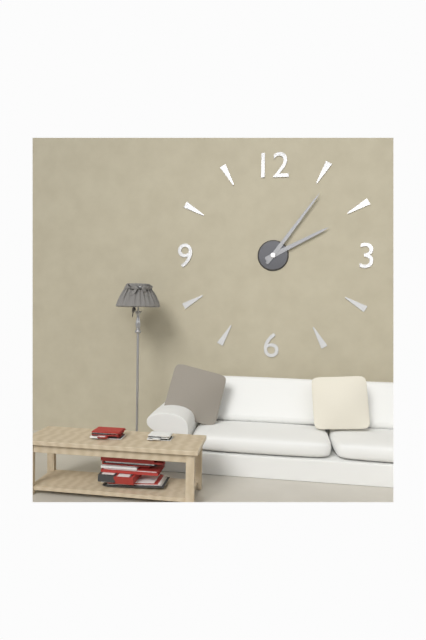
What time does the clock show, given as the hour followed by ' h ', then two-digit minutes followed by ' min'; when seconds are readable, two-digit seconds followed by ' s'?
2 h 06 min
